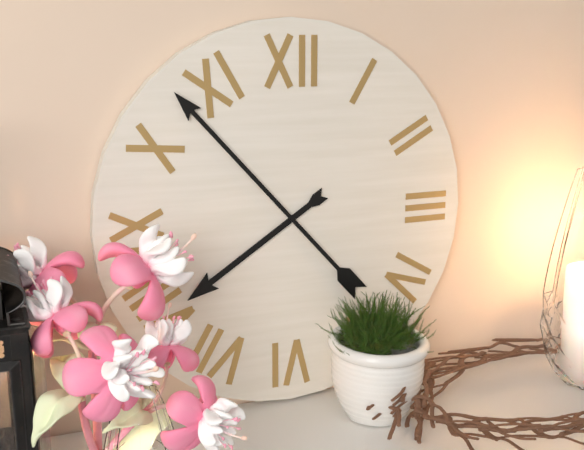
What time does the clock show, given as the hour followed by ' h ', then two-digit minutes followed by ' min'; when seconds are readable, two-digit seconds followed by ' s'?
7 h 53 min
